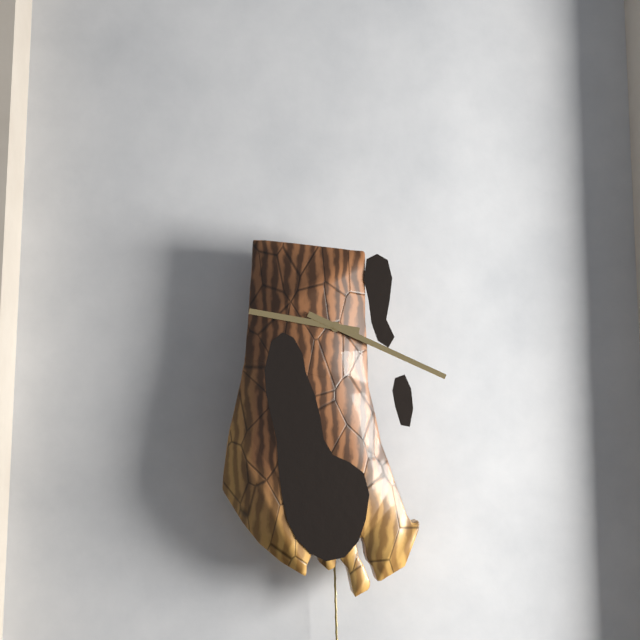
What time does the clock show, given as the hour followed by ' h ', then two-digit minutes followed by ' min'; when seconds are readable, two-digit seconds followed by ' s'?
9 h 19 min
